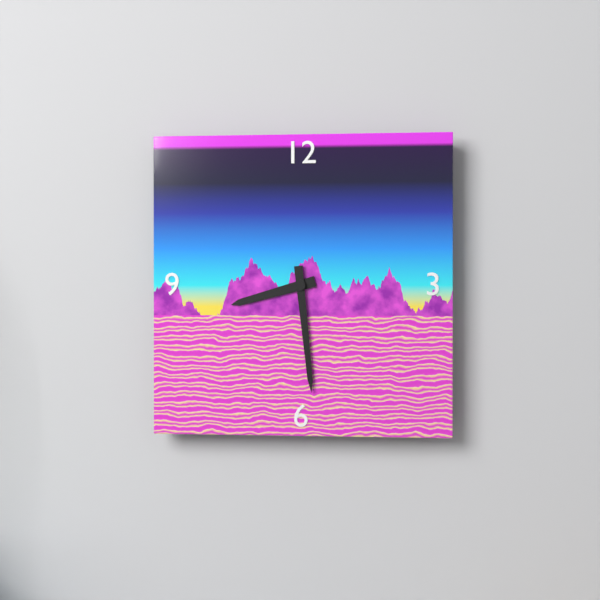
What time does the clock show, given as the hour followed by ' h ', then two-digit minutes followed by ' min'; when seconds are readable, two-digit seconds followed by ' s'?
8 h 29 min
